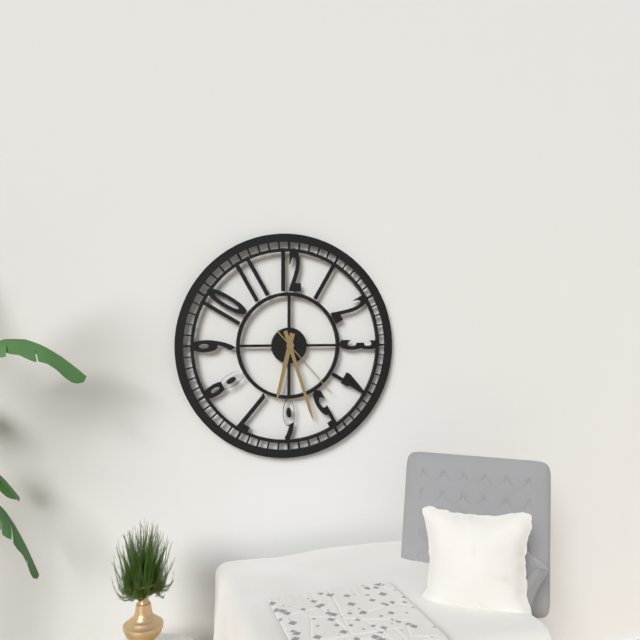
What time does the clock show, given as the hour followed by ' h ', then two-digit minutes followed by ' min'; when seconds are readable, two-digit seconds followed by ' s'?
6 h 27 min 23 s
